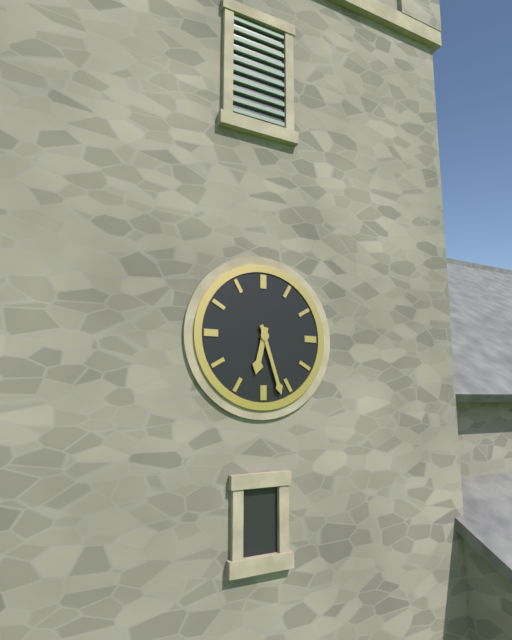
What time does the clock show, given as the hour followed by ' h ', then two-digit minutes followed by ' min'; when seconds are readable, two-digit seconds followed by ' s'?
6 h 27 min
